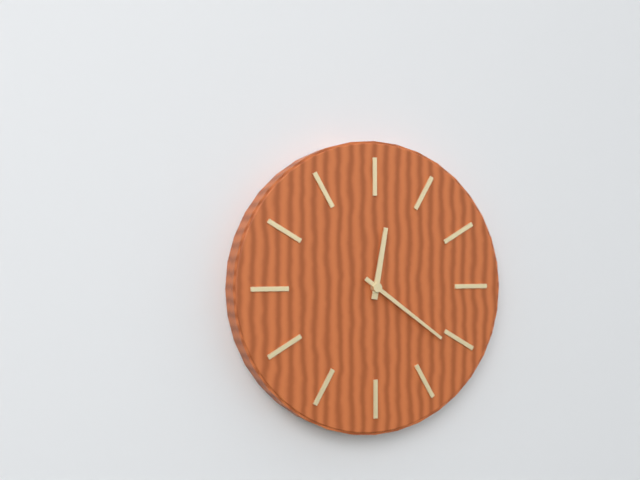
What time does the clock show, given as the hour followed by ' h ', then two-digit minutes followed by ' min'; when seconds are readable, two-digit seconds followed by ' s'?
12 h 21 min
